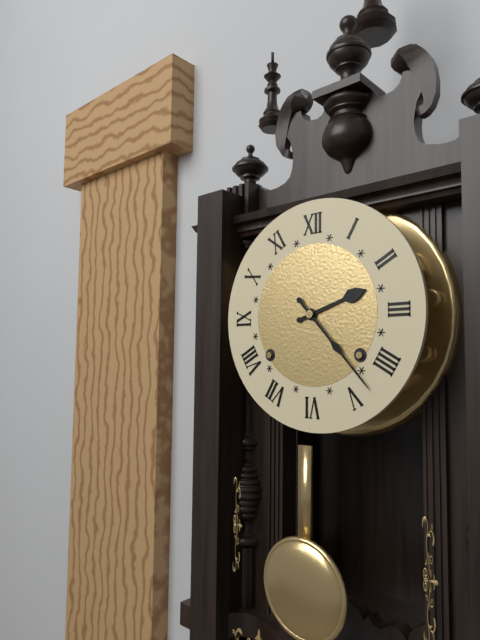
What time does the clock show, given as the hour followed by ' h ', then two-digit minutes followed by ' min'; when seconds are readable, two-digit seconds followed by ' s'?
2 h 23 min
